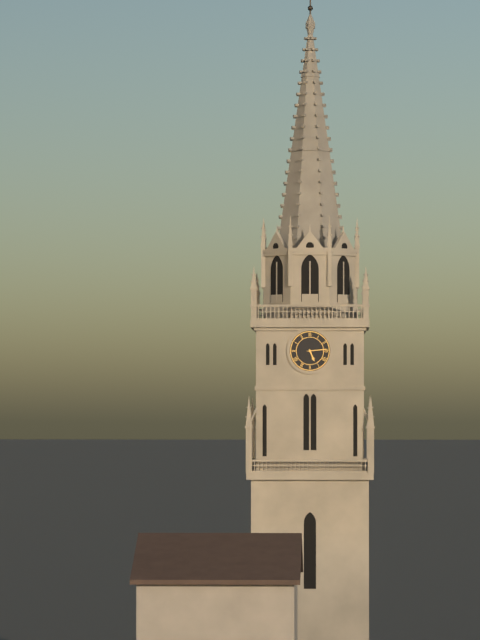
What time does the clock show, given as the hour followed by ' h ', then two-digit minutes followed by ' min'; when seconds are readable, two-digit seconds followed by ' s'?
5 h 14 min
